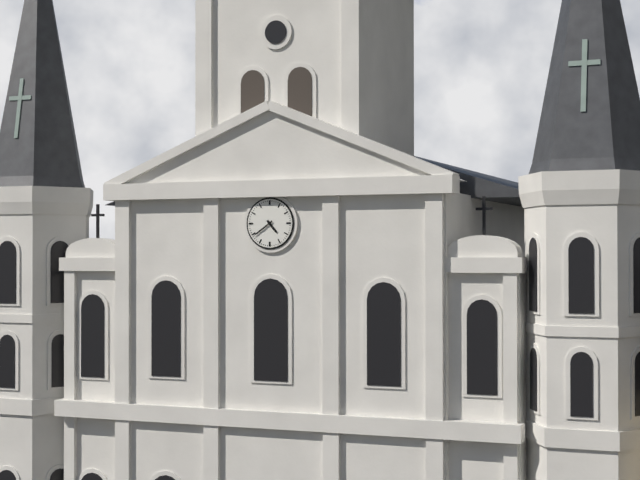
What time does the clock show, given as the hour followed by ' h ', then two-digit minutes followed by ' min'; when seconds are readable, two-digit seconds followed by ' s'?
4 h 39 min
